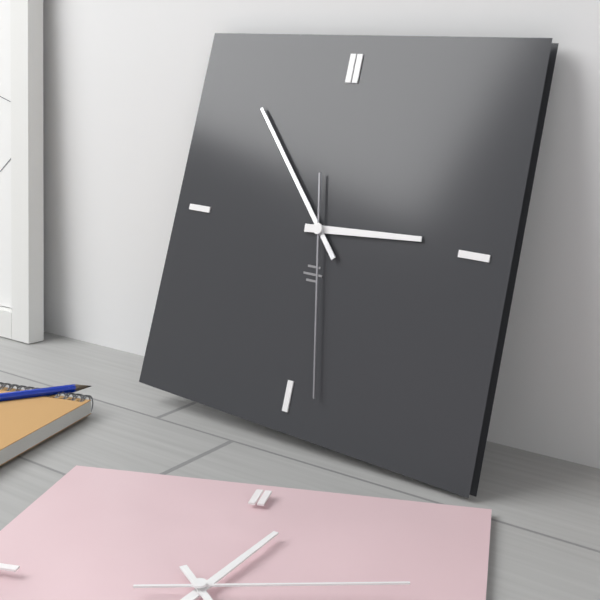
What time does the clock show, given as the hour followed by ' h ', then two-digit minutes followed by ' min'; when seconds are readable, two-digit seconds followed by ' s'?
2 h 53 min 28 s
